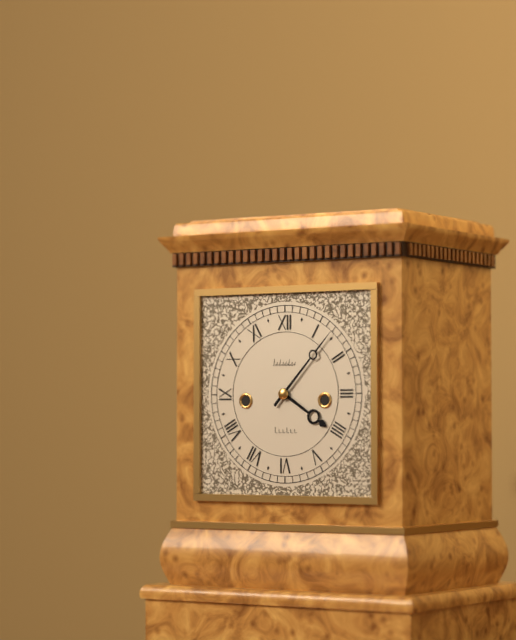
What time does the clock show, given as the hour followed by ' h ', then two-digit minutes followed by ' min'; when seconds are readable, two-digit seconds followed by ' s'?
4 h 07 min
